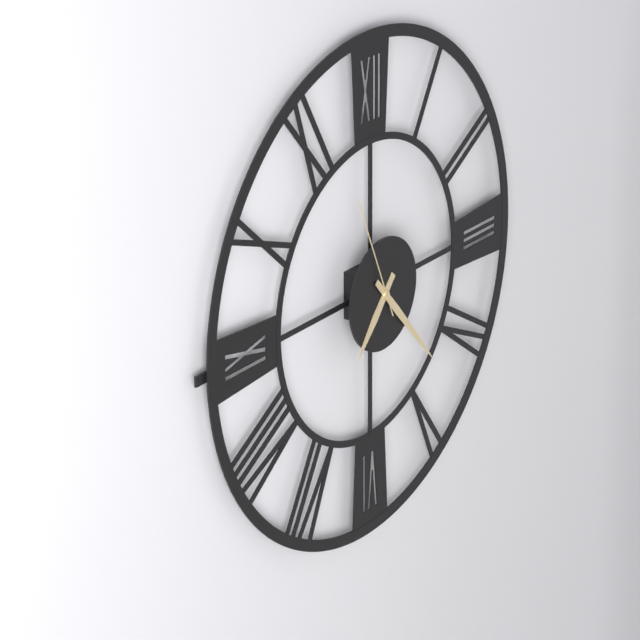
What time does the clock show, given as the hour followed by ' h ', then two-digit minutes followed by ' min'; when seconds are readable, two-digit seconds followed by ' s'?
7 h 23 min 56 s
